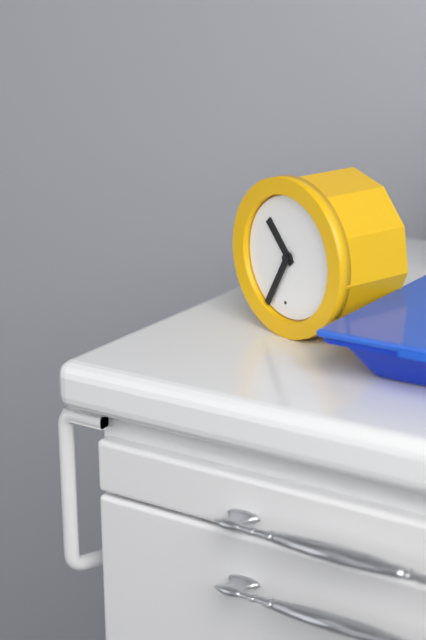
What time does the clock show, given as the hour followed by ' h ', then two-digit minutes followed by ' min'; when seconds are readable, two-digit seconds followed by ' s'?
10 h 35 min
